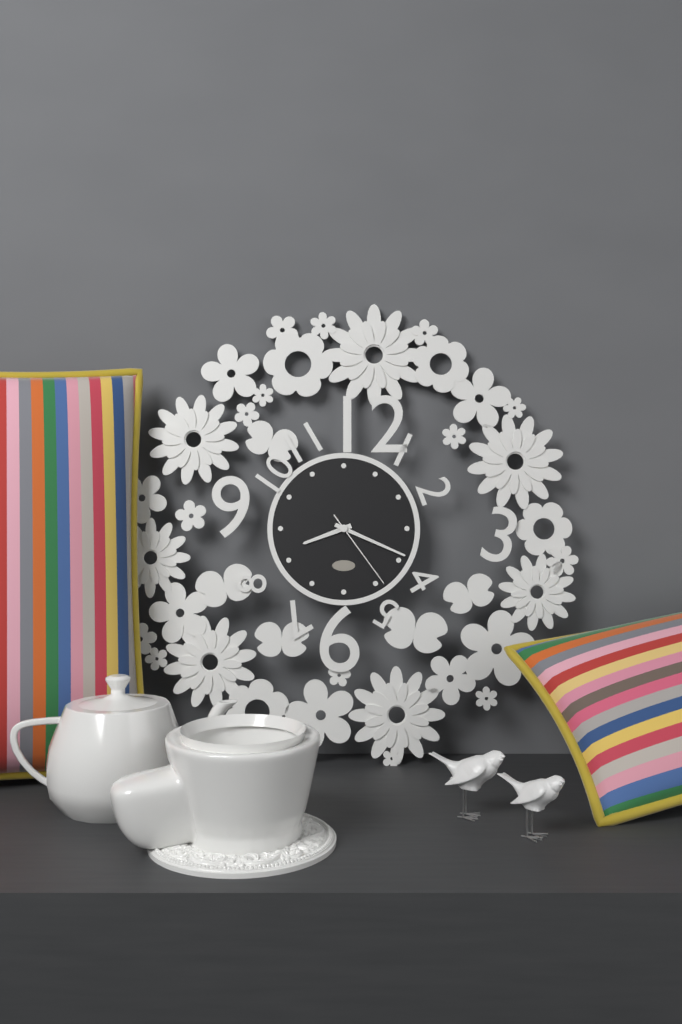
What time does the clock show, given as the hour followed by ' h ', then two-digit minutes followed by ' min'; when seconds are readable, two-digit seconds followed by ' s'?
8 h 19 min 24 s
